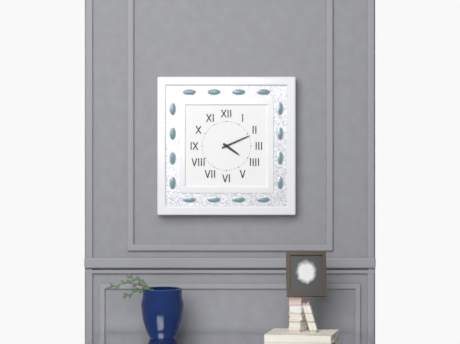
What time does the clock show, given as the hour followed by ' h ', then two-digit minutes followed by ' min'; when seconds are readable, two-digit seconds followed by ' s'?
4 h 11 min
